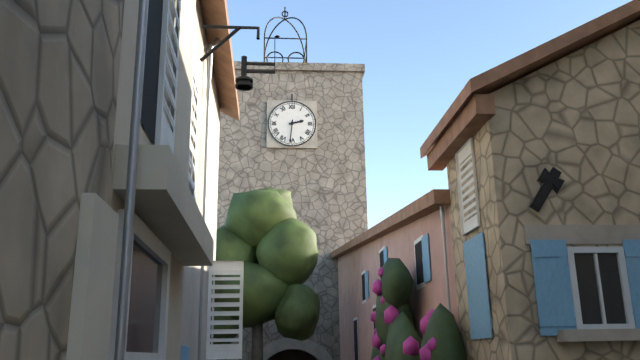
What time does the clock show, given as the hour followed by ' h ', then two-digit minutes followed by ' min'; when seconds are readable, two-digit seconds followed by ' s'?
2 h 31 min
